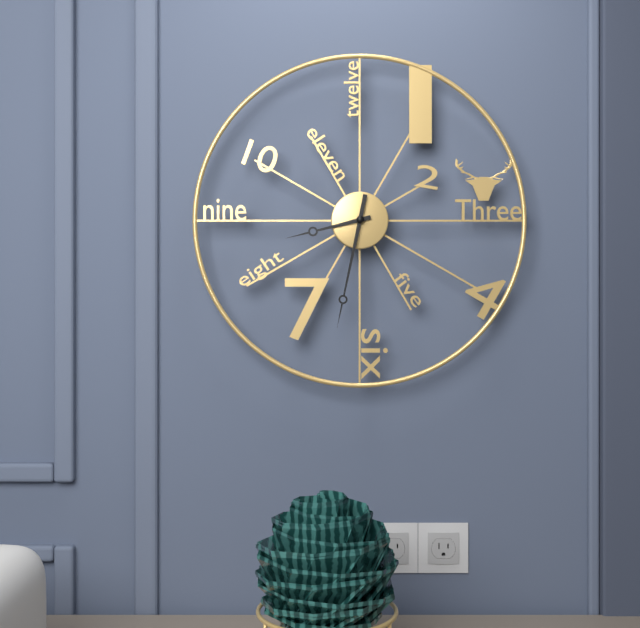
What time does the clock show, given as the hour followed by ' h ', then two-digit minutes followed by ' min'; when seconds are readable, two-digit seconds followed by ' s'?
8 h 32 min
